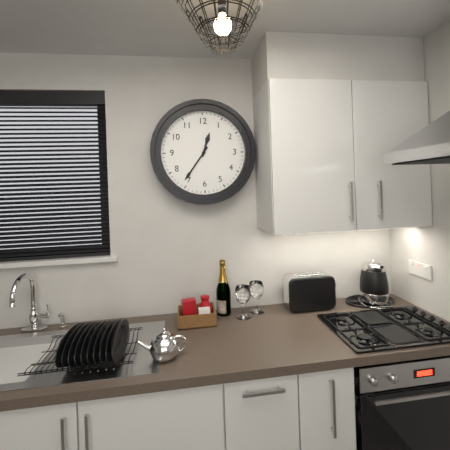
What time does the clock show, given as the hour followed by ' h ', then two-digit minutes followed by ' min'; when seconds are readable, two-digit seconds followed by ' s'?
12 h 36 min
